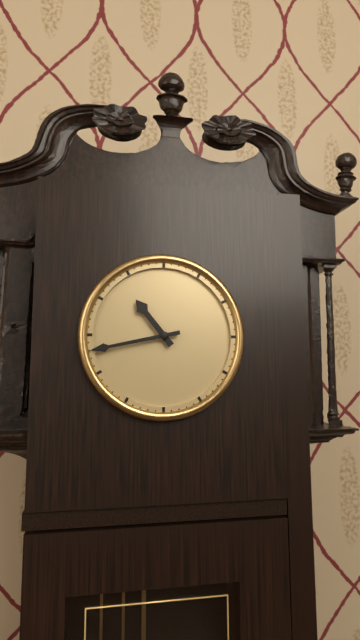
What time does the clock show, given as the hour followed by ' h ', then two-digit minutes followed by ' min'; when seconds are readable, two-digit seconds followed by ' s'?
10 h 43 min
